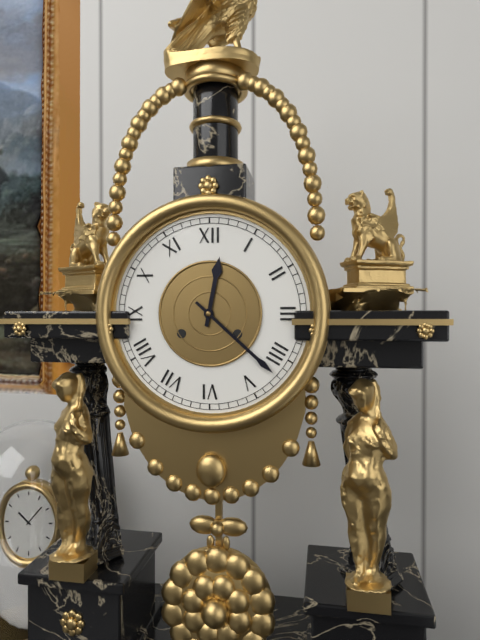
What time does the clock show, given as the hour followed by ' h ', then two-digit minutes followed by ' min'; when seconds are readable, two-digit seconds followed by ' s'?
12 h 22 min
